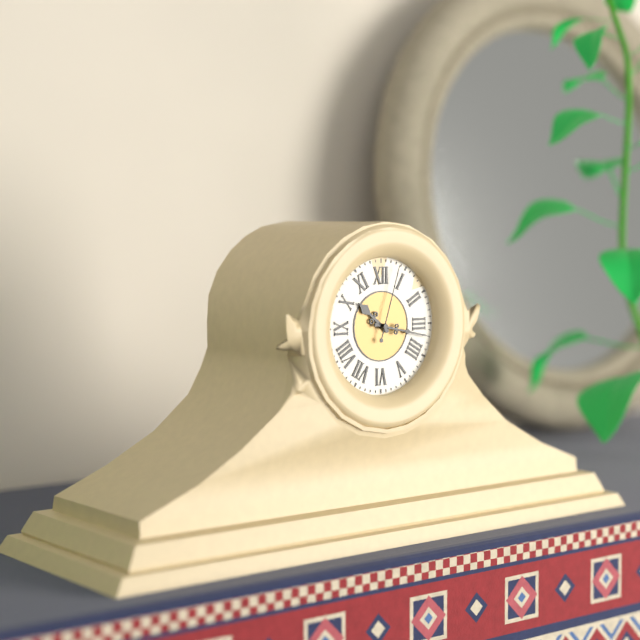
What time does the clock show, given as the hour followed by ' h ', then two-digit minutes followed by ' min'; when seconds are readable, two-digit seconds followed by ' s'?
10 h 17 min 03 s
